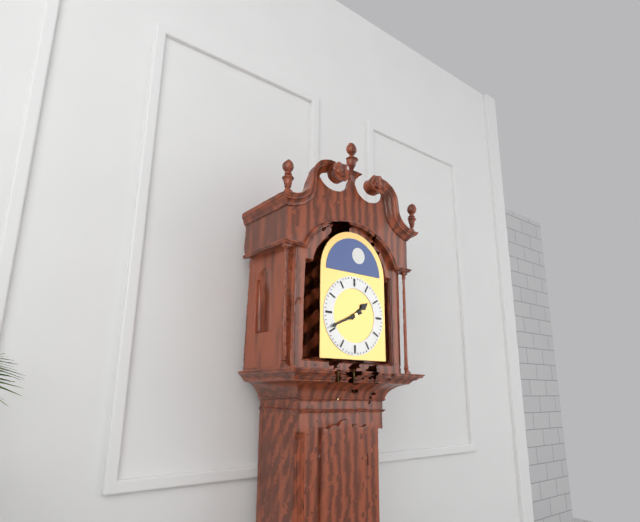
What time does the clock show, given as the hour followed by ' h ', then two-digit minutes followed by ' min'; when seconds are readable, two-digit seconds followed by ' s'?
1 h 41 min
